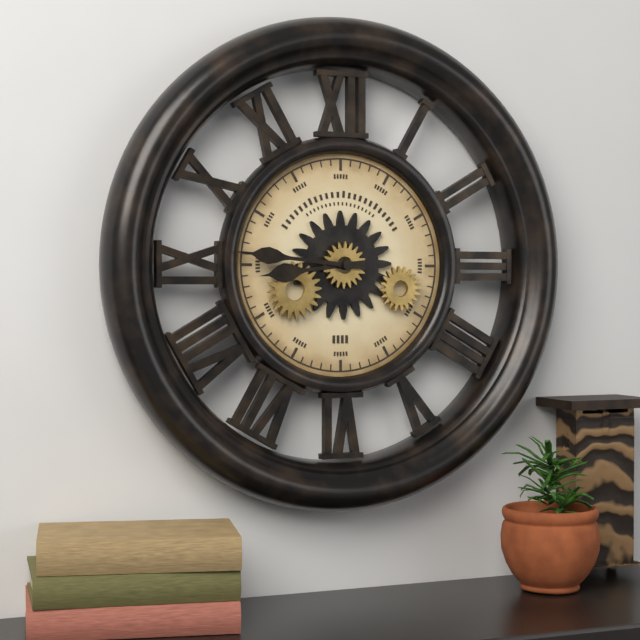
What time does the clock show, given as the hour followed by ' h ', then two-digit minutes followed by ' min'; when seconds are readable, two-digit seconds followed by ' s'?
8 h 46 min
